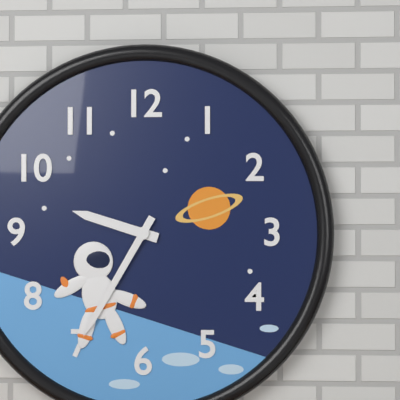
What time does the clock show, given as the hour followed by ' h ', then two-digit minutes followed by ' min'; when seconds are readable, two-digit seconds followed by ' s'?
9 h 35 min
